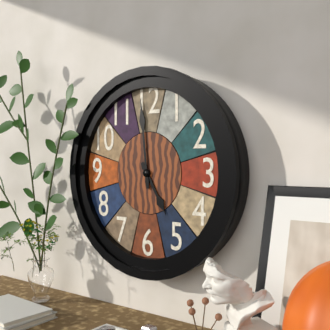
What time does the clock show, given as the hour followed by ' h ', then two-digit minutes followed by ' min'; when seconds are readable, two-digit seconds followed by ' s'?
4 h 59 min
